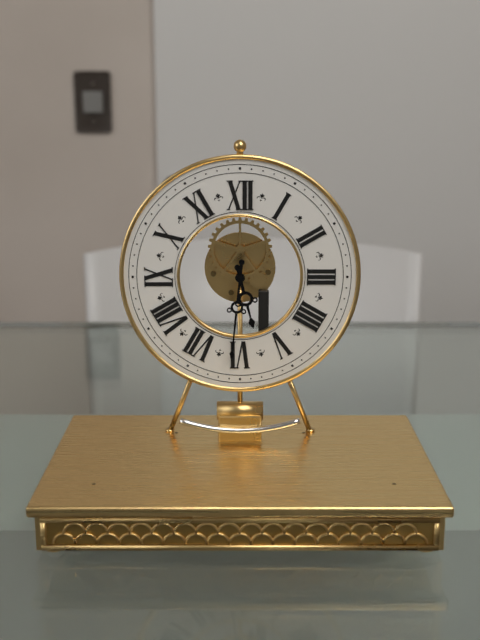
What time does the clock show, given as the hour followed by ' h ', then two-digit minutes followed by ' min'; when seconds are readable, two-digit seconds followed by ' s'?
5 h 31 min
